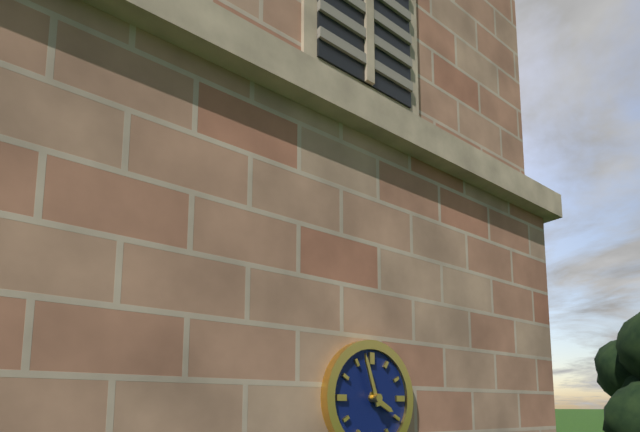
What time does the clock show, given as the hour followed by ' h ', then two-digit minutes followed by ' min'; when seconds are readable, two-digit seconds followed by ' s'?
3 h 57 min
